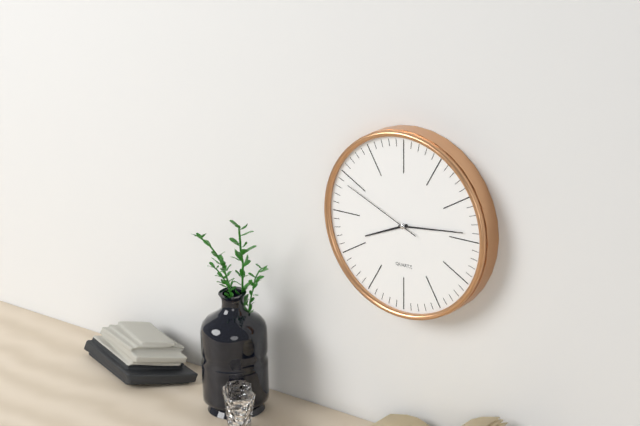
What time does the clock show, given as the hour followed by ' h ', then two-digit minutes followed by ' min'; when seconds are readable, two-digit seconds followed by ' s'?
8 h 14 min 49 s
